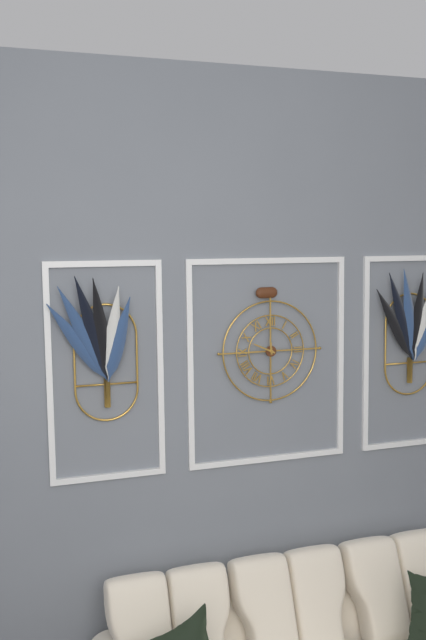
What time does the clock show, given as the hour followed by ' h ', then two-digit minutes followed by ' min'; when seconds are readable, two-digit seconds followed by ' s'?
11 h 49 min
